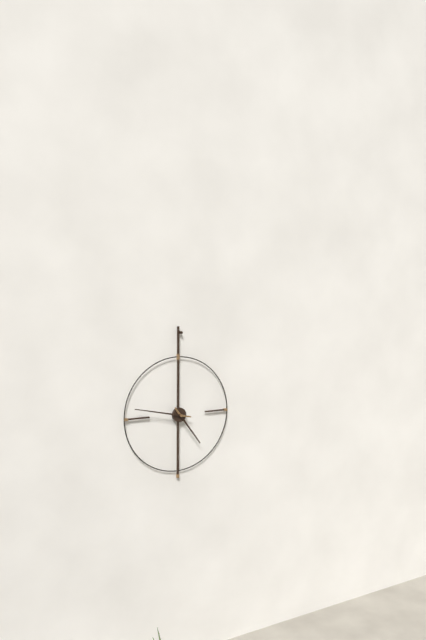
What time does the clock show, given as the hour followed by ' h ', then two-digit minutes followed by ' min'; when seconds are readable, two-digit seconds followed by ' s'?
4 h 47 min
